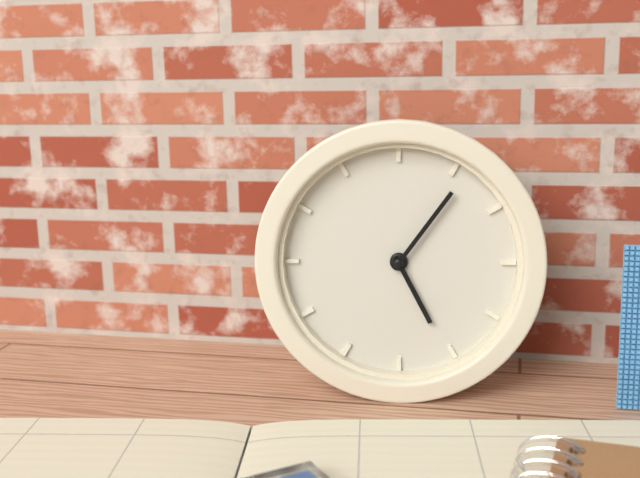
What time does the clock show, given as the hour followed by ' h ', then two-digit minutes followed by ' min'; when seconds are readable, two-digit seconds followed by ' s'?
5 h 06 min
